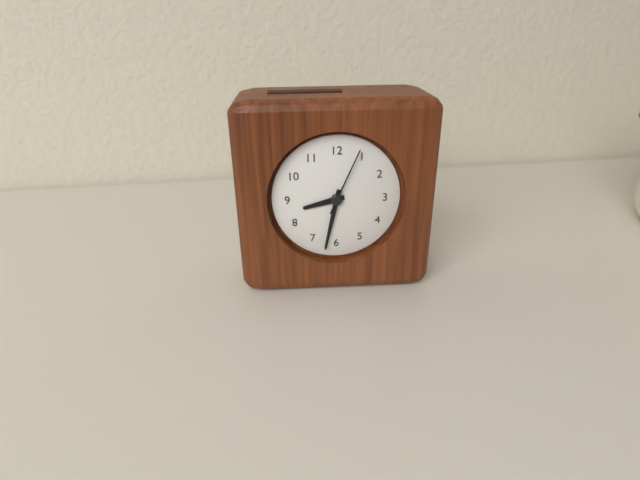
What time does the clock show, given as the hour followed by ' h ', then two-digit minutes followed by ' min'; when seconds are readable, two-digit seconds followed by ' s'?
8 h 32 min 04 s
